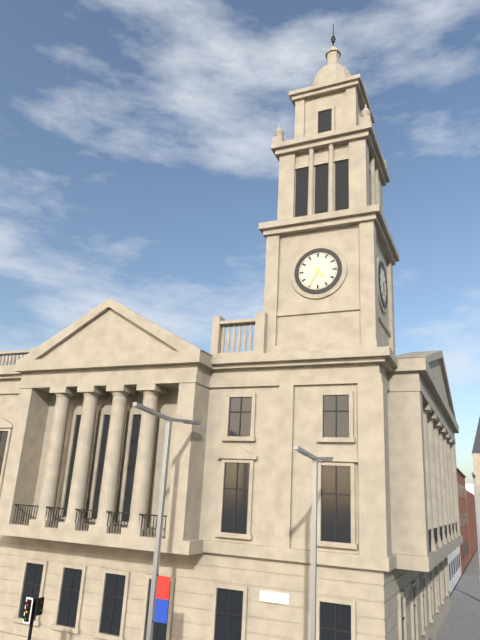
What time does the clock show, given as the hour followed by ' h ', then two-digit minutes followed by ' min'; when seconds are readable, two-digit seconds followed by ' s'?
4 h 35 min
